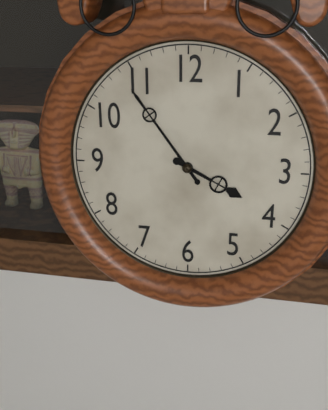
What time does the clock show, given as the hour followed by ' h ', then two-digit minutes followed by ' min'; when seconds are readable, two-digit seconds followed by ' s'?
3 h 54 min
